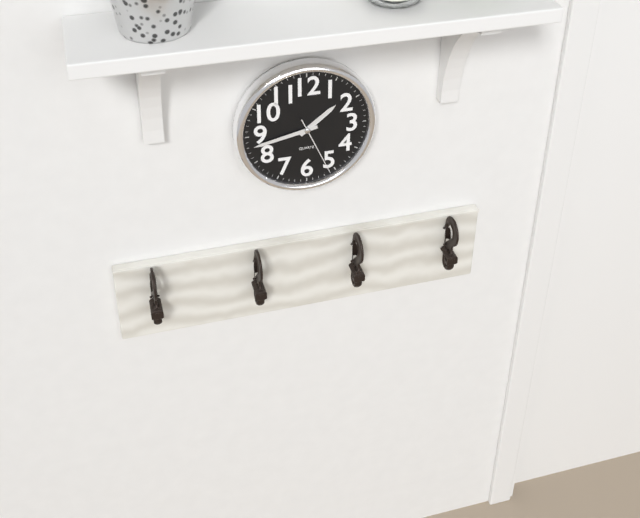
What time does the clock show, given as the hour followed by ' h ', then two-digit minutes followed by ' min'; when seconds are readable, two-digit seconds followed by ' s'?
1 h 43 min 26 s
